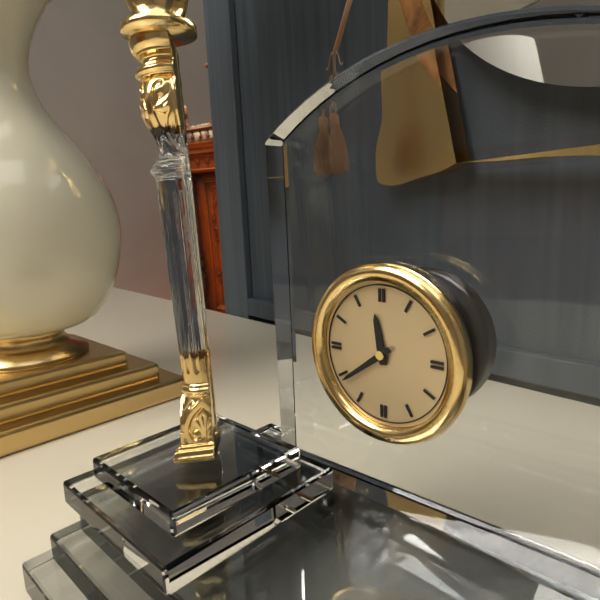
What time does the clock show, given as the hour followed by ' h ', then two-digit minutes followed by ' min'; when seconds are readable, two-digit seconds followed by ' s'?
11 h 39 min
